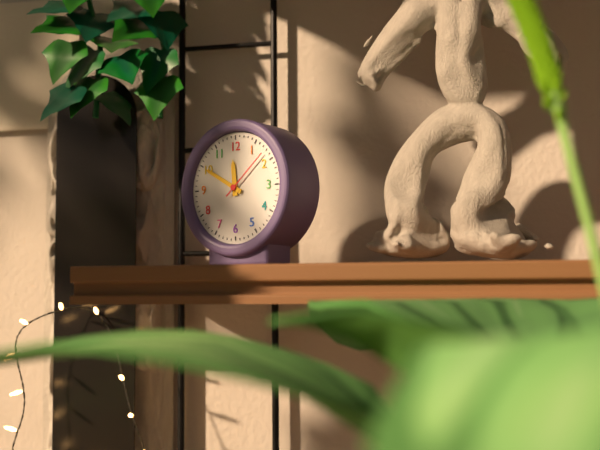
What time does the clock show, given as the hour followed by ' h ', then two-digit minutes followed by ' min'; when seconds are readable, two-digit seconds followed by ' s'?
11 h 50 min
